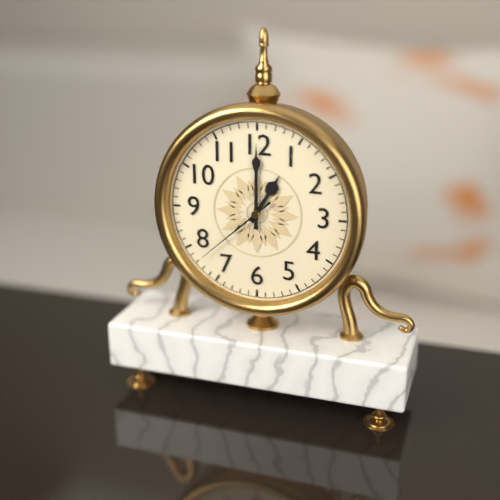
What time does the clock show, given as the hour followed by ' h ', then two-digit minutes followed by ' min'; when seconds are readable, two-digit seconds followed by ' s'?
1 h 00 min 38 s
